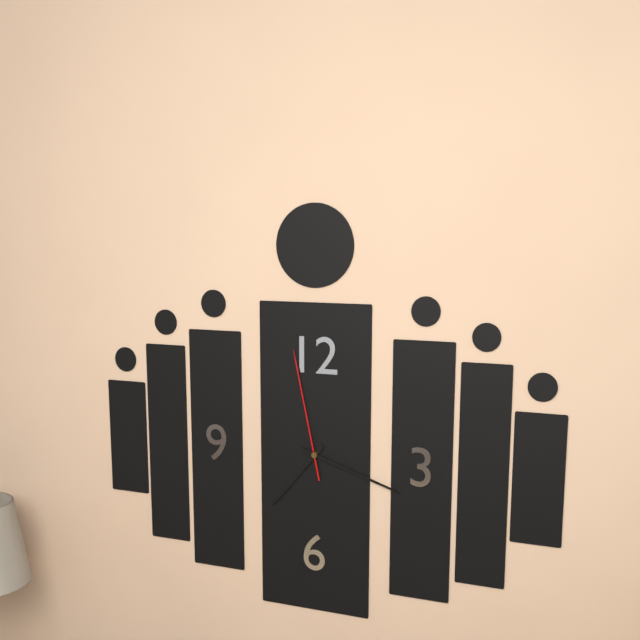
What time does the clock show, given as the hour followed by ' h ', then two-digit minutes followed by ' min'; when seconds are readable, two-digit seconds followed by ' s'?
7 h 18 min 58 s
